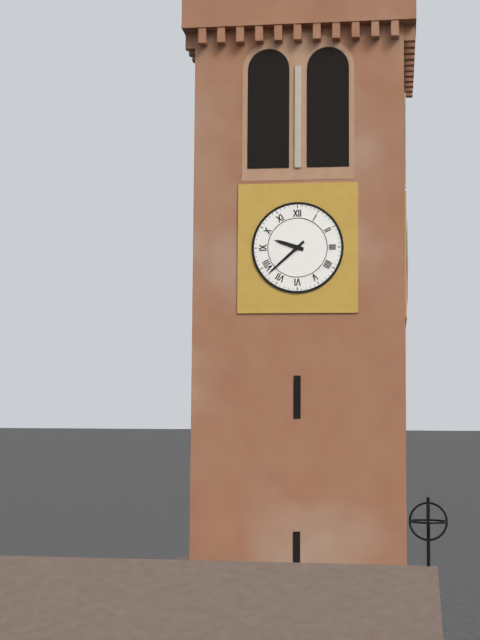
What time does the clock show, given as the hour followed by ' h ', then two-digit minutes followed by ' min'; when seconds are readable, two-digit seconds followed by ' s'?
9 h 38 min
